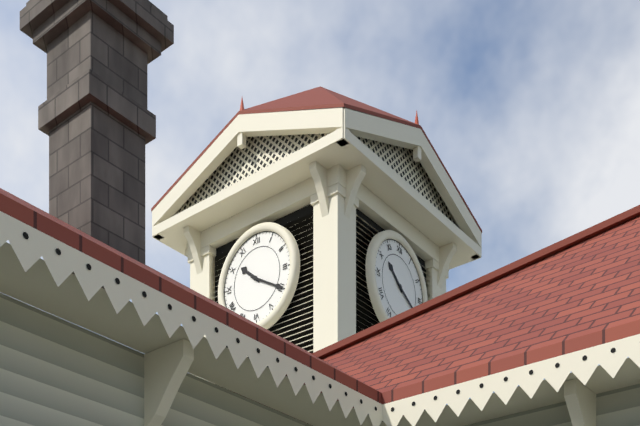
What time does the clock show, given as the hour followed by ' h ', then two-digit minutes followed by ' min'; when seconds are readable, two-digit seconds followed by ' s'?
10 h 20 min
